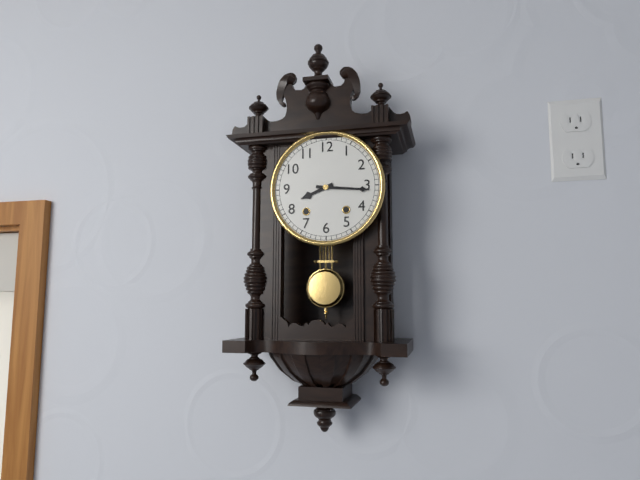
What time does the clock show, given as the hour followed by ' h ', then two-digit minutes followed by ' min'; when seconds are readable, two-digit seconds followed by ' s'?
8 h 16 min
